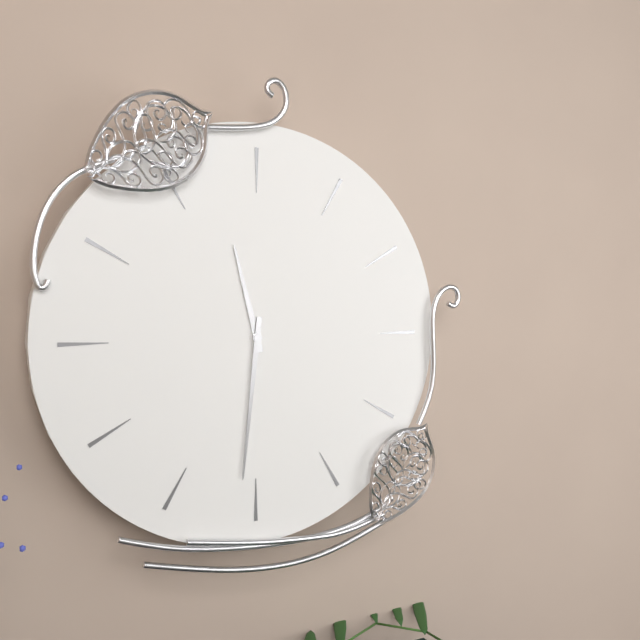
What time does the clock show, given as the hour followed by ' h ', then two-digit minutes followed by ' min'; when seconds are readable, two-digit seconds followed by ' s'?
11 h 31 min
